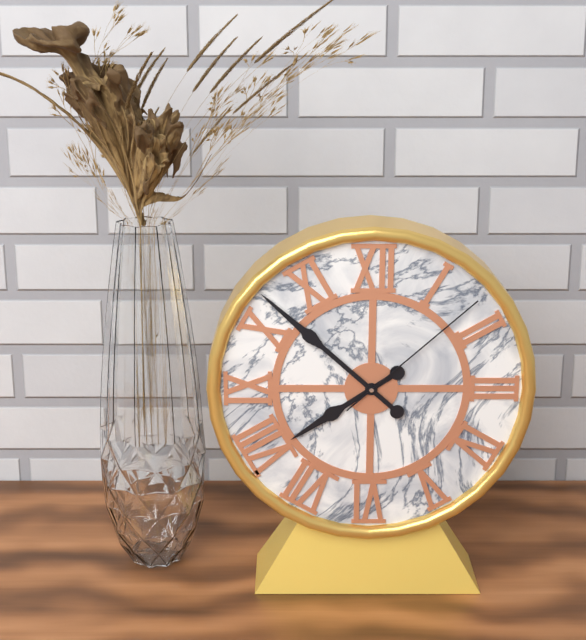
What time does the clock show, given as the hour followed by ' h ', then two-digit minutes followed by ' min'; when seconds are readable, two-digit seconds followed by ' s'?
7 h 52 min 08 s
